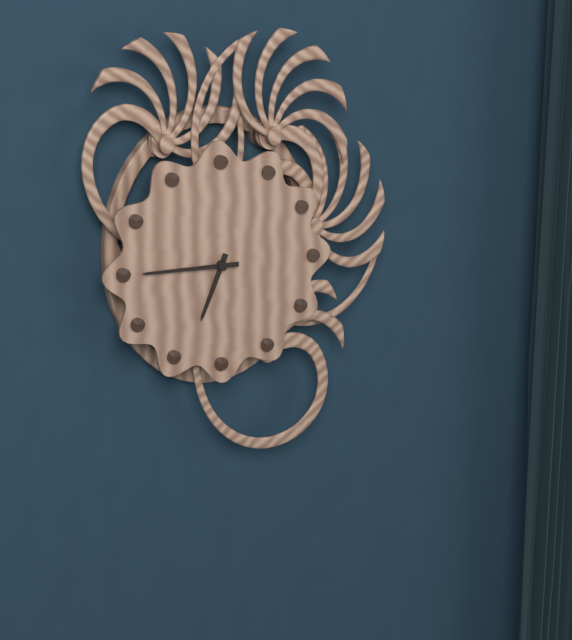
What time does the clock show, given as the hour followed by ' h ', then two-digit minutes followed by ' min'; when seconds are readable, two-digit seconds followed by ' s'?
6 h 45 min
